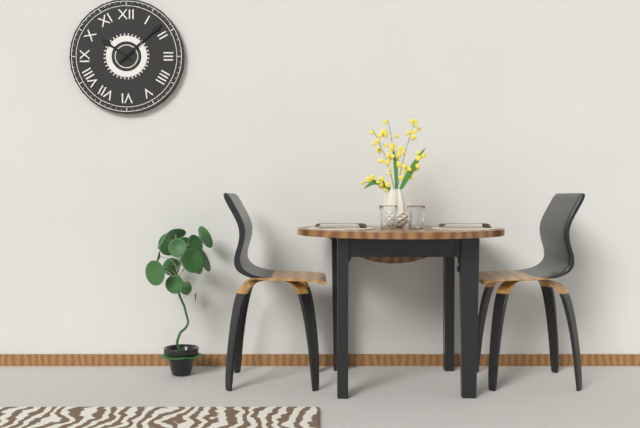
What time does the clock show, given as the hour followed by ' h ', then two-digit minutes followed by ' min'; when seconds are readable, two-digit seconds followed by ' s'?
10 h 08 min
